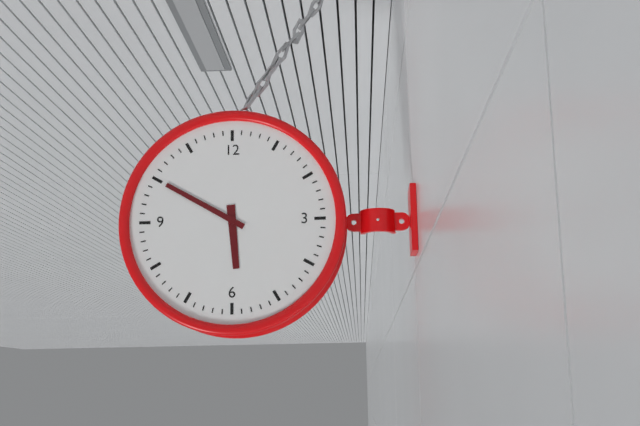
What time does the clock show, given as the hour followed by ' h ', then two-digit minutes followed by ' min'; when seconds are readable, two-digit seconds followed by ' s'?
5 h 50 min
